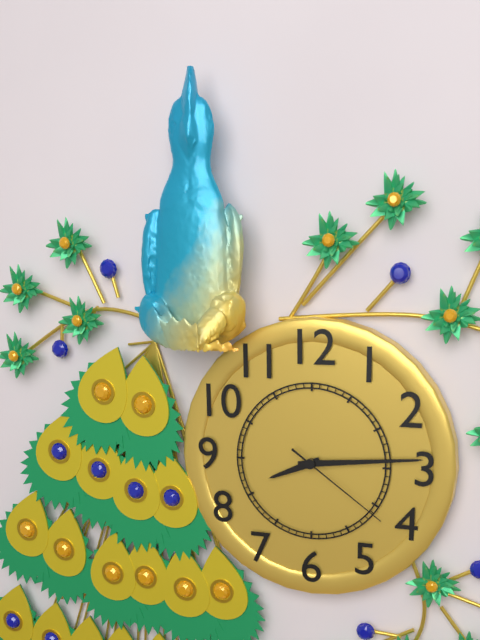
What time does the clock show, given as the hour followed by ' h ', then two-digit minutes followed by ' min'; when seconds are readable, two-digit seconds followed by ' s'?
8 h 14 min 21 s
